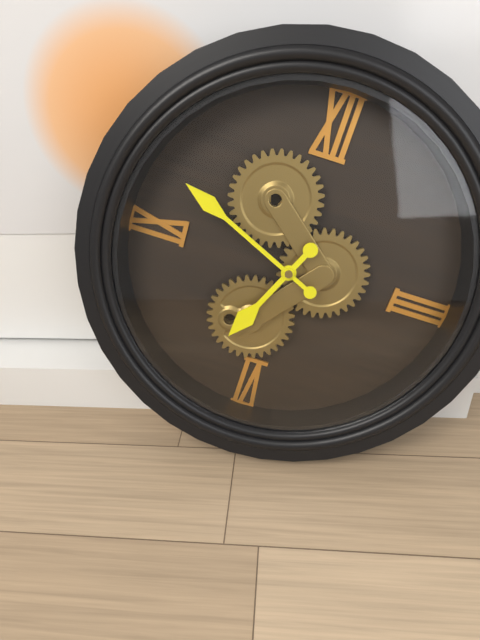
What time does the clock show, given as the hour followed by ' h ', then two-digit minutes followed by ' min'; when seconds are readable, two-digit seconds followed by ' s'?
6 h 49 min
